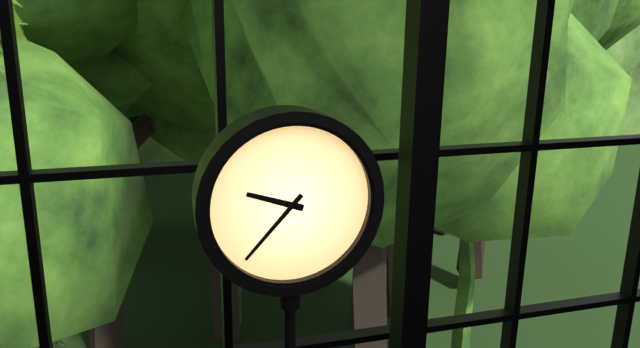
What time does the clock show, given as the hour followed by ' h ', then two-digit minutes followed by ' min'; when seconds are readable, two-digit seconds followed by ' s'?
9 h 37 min
